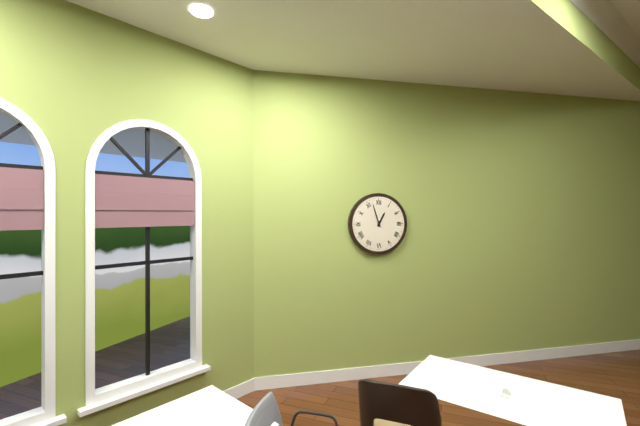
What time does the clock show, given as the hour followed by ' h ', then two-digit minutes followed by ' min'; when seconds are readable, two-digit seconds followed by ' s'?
12 h 57 min
